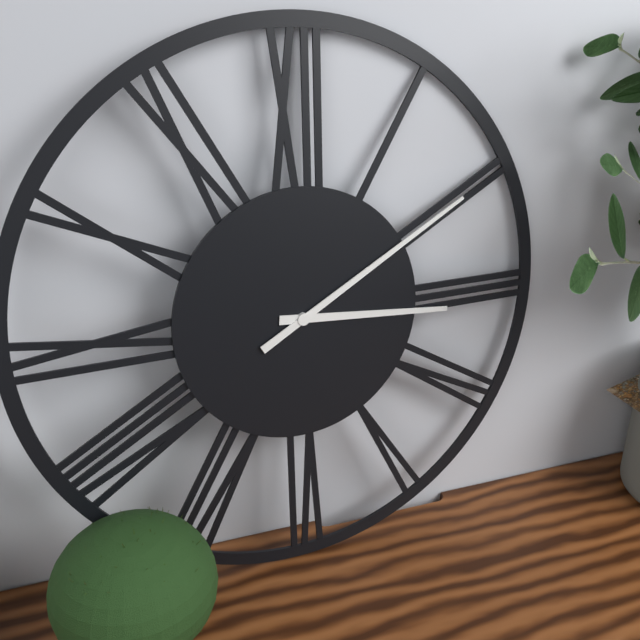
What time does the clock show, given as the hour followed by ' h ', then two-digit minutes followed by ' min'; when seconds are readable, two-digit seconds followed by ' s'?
3 h 10 min
